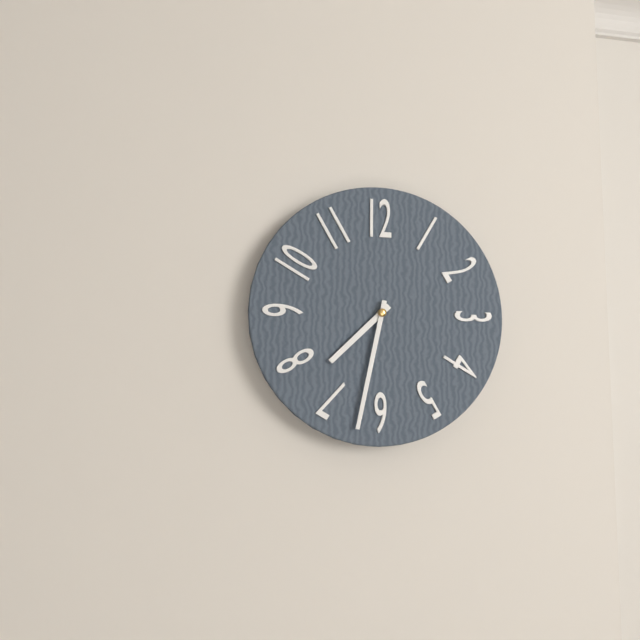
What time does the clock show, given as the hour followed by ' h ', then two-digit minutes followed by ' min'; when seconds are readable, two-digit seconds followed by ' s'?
7 h 32 min
